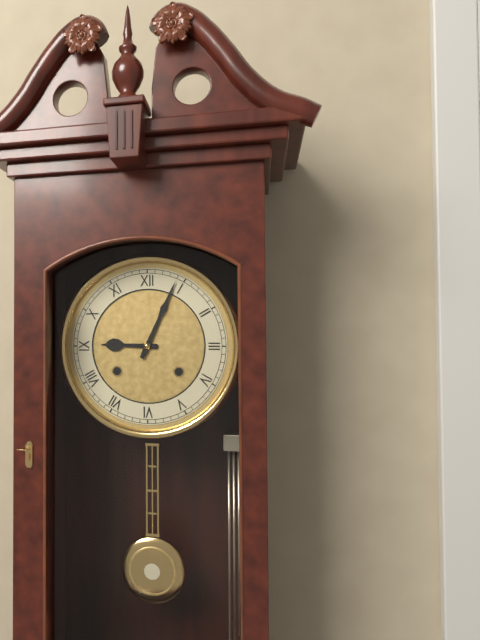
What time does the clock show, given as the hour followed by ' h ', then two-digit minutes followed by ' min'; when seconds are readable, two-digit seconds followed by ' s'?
9 h 04 min
